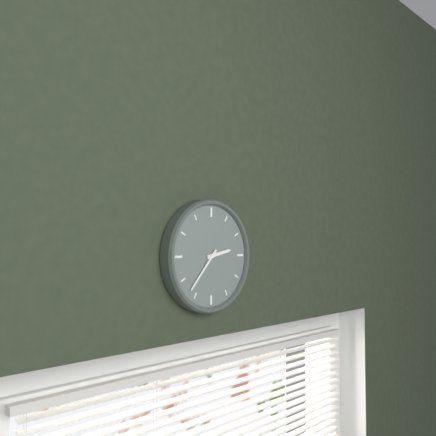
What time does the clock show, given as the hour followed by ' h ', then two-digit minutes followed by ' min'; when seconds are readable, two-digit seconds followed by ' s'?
2 h 37 min
